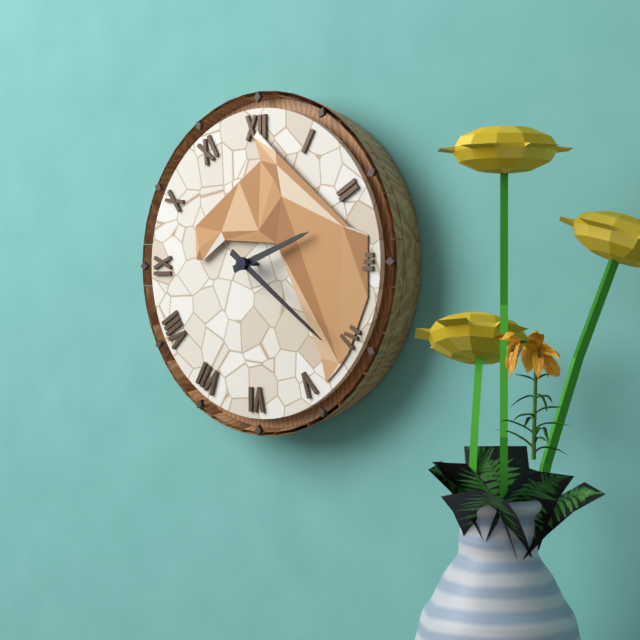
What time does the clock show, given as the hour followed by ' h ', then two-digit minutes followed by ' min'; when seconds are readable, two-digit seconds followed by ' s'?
2 h 21 min
